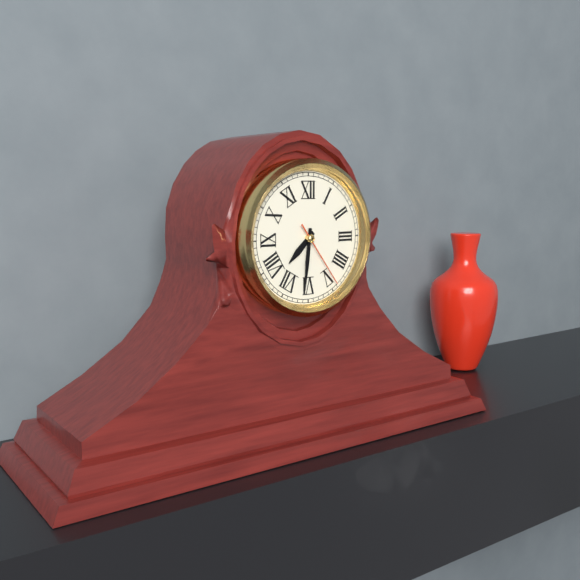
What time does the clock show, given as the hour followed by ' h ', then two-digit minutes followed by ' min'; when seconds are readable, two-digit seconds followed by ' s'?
7 h 31 min 24 s
